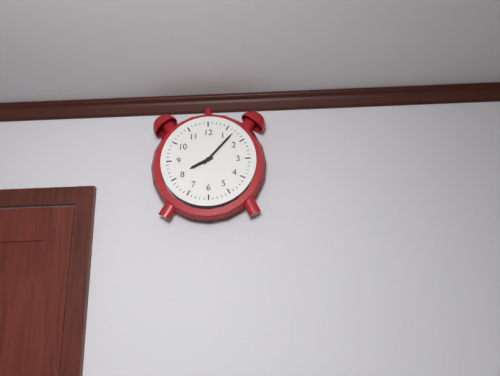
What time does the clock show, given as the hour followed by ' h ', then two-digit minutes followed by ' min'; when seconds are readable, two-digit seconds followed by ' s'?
8 h 07 min
